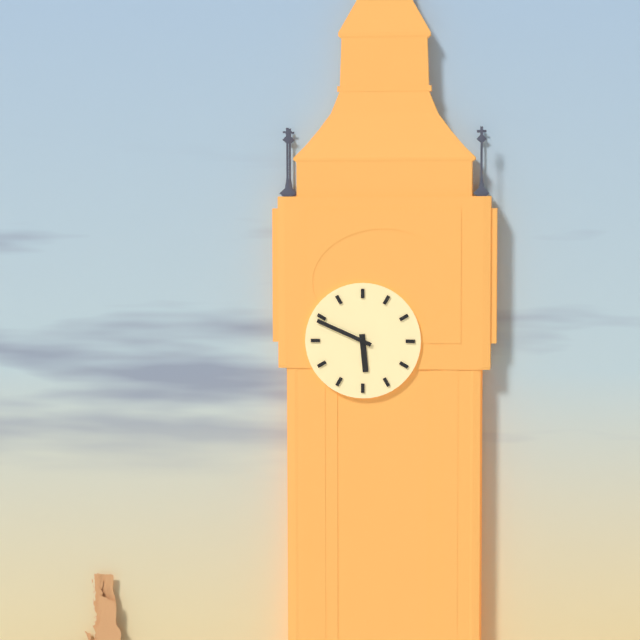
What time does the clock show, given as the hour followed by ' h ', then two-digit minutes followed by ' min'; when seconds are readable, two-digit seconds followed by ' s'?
5 h 49 min
